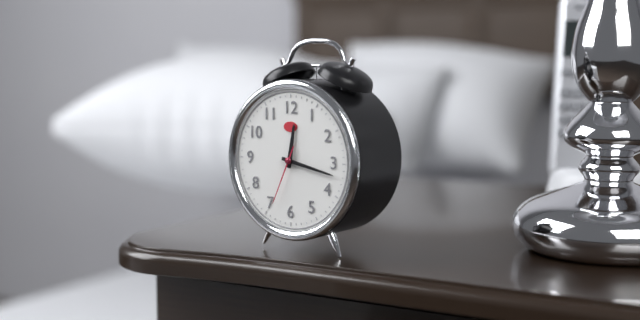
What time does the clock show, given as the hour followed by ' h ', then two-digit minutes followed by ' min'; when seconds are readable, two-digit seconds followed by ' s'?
12 h 17 min 34 s
